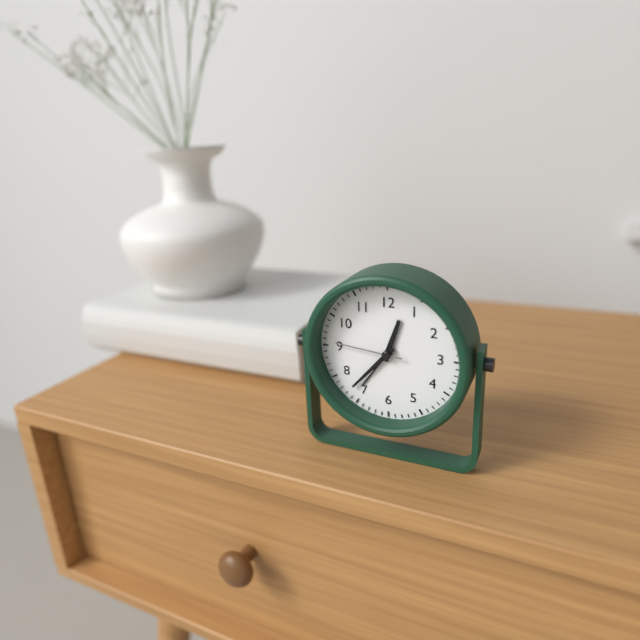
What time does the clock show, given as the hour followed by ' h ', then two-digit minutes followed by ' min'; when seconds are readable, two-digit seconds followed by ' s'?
12 h 37 min 46 s
